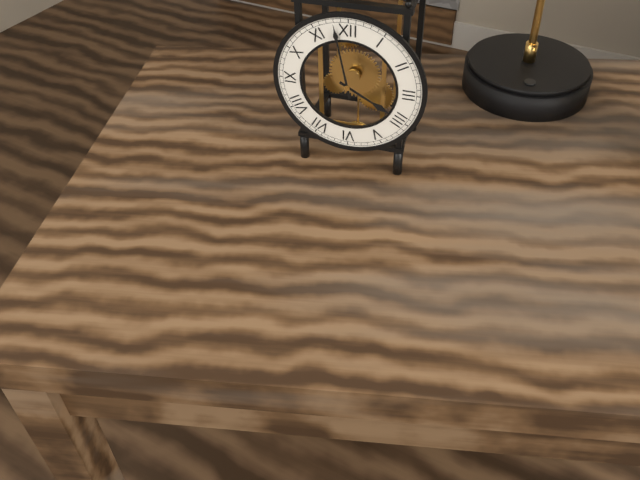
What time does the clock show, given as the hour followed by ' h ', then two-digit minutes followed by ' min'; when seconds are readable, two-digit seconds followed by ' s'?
3 h 58 min
